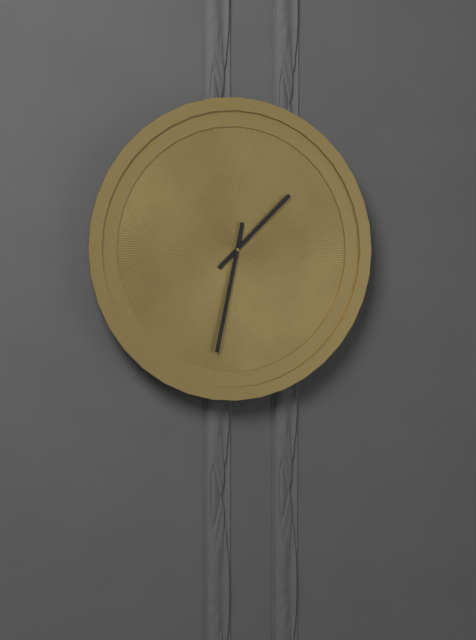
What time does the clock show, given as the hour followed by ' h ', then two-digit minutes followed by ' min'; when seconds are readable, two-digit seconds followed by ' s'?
1 h 32 min
